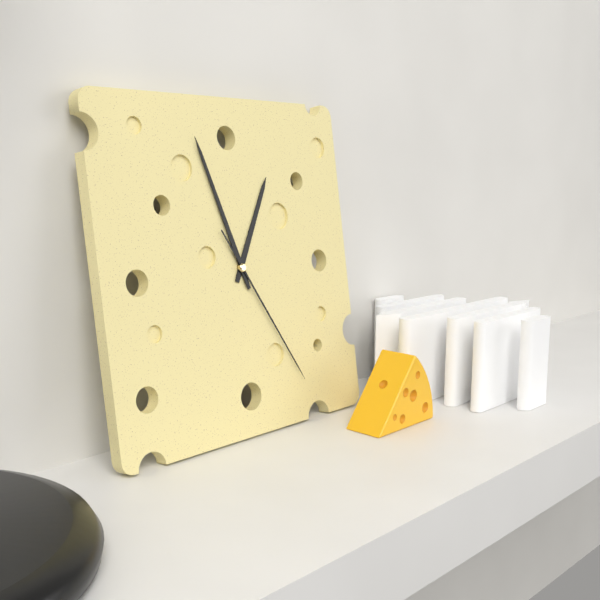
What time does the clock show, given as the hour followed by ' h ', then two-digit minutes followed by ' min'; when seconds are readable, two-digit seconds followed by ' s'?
12 h 57 min 25 s
